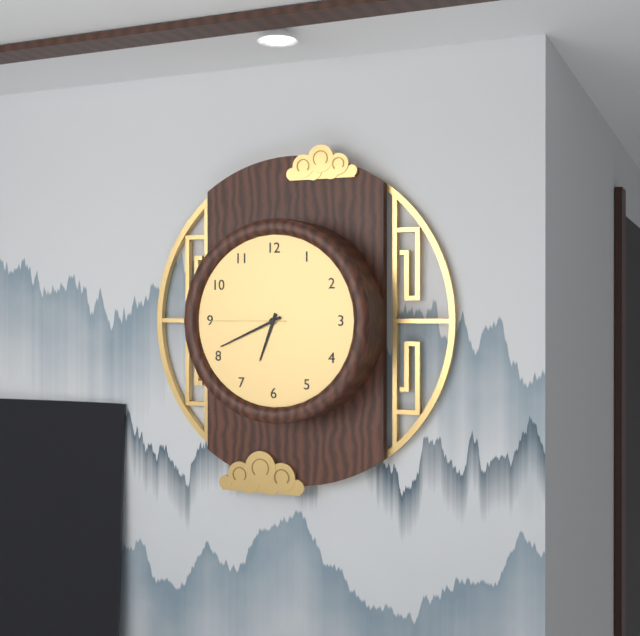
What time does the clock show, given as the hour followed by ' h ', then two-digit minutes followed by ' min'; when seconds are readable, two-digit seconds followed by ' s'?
6 h 41 min 45 s
